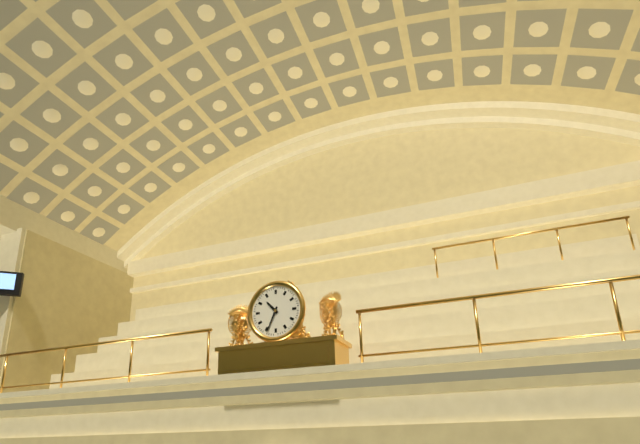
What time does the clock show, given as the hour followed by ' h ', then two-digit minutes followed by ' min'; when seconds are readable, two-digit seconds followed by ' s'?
10 h 34 min
